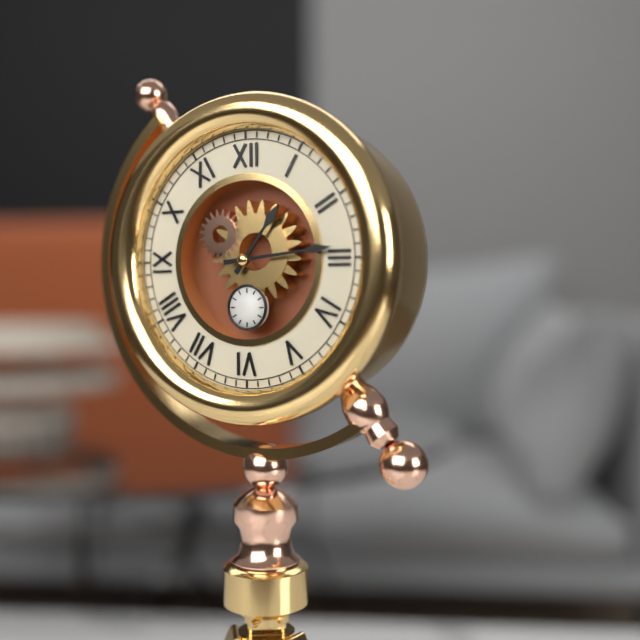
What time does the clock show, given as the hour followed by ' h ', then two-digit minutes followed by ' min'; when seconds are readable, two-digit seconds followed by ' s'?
1 h 14 min
